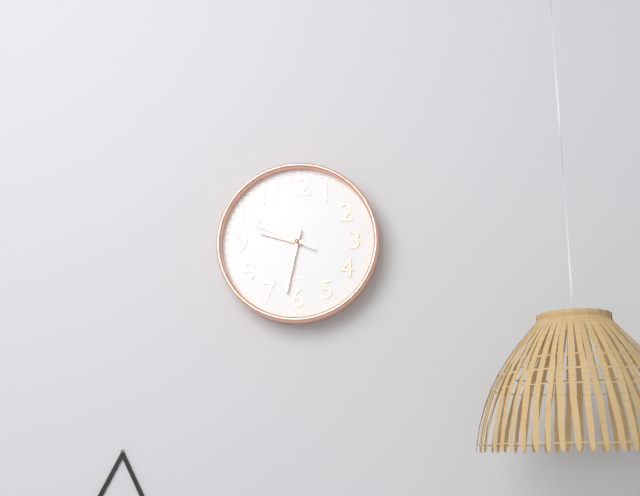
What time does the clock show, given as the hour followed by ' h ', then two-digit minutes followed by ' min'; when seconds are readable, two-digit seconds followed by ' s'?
9 h 32 min 49 s
